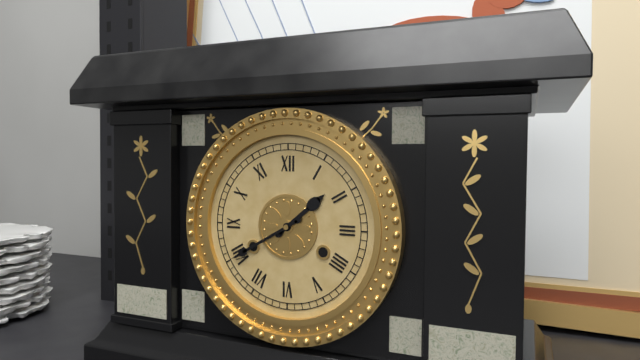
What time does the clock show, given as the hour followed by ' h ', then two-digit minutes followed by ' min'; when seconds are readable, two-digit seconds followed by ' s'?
1 h 40 min
